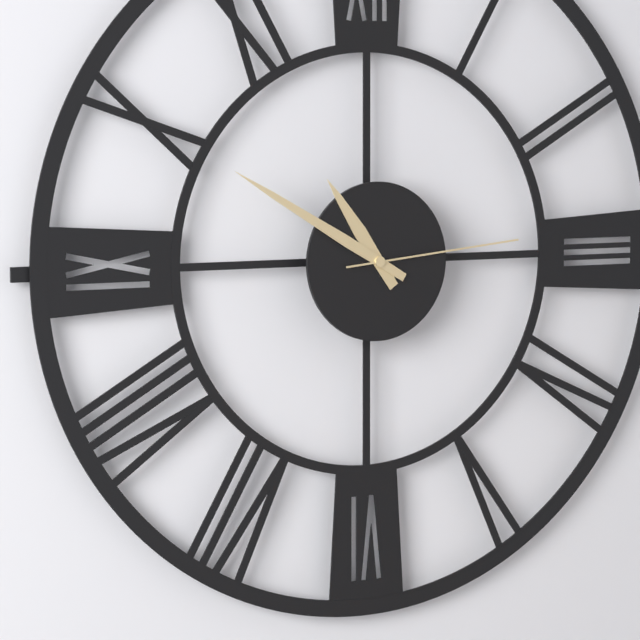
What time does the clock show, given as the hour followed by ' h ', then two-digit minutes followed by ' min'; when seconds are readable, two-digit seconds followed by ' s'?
10 h 50 min 14 s
